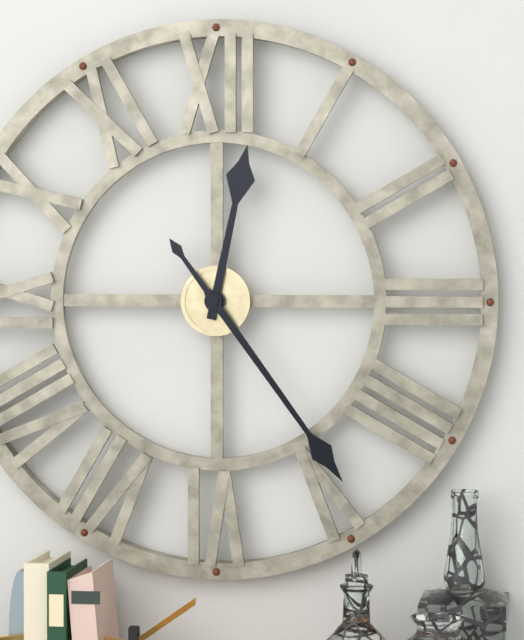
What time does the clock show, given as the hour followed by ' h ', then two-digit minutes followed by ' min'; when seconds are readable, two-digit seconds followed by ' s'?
12 h 24 min
